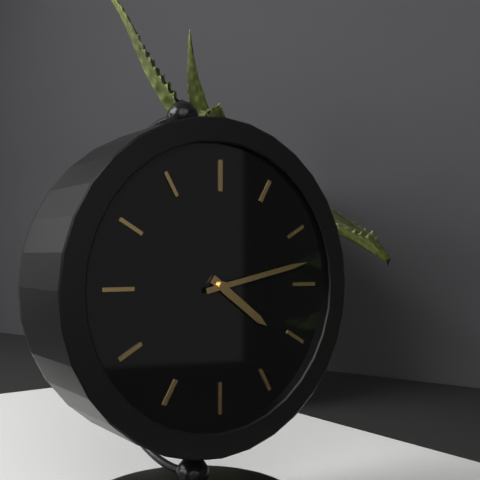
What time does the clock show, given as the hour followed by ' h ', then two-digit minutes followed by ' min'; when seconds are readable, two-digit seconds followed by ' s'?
4 h 13 min
